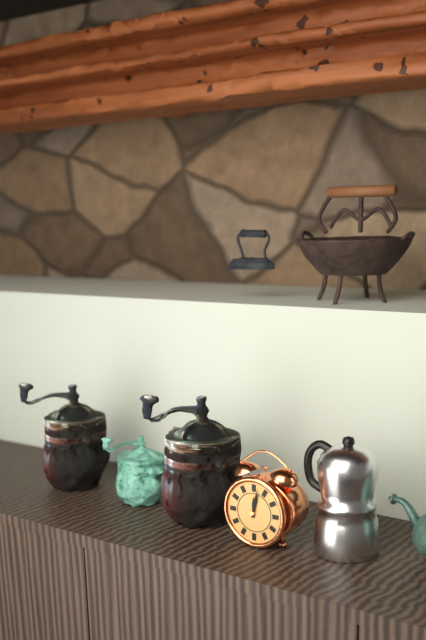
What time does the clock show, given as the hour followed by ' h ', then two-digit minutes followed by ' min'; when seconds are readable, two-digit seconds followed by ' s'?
12 h 02 min
